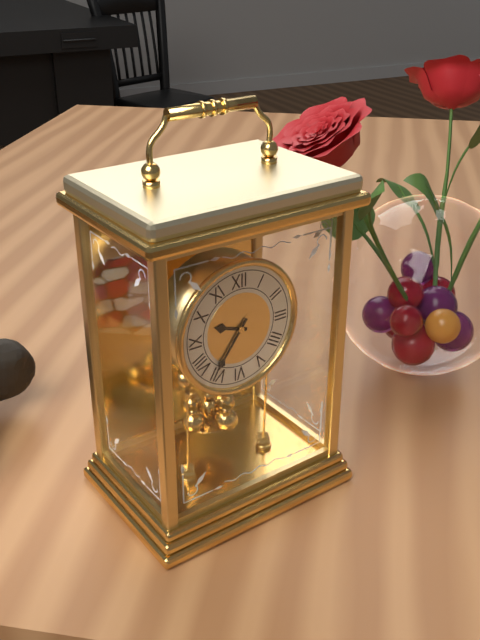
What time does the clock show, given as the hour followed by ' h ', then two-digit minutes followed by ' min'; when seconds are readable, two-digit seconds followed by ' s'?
9 h 36 min
